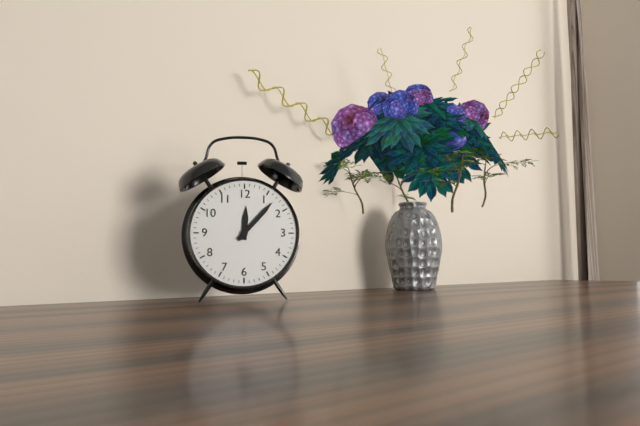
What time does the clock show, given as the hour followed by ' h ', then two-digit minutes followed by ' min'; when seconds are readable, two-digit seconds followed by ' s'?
12 h 07 min
